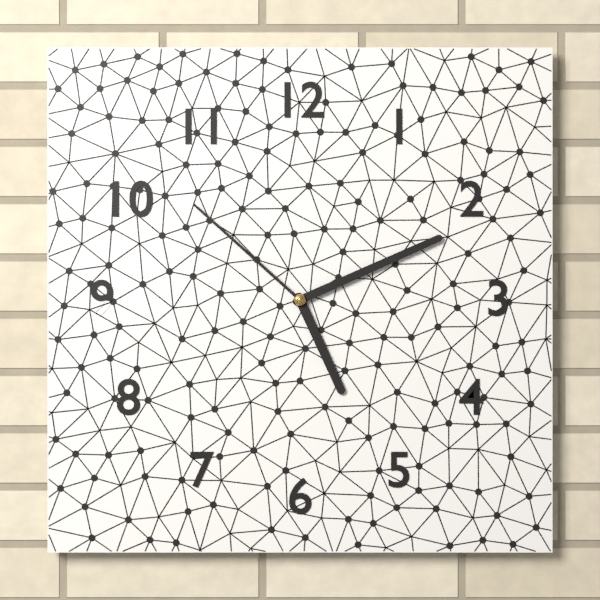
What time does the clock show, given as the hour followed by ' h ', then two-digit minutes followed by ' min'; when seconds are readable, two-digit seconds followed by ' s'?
5 h 11 min 52 s
